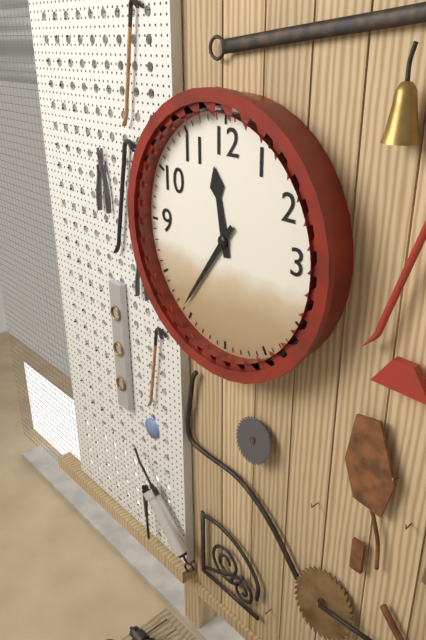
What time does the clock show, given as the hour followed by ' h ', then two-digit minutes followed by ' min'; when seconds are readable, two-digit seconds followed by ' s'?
11 h 36 min
